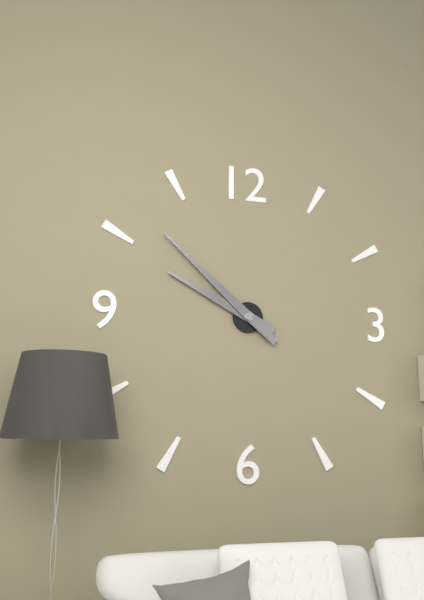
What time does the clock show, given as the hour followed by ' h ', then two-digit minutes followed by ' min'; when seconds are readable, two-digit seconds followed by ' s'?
9 h 52 min
